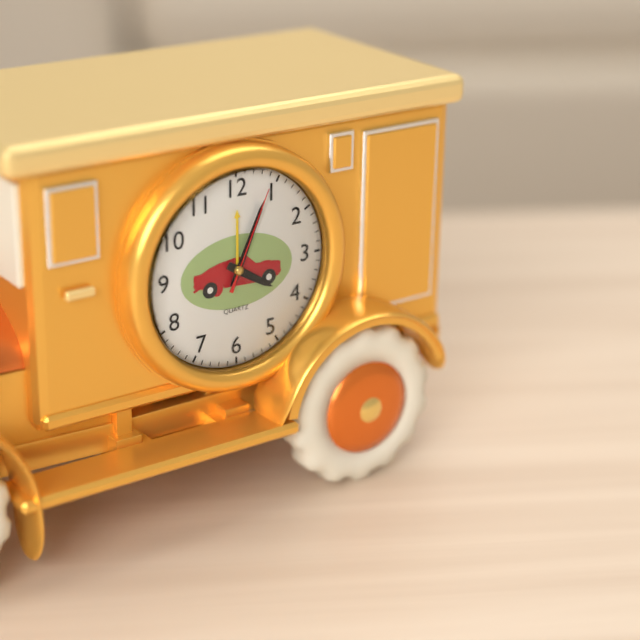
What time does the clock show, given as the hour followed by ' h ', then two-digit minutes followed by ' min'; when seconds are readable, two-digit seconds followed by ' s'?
4 h 04 min 04 s
